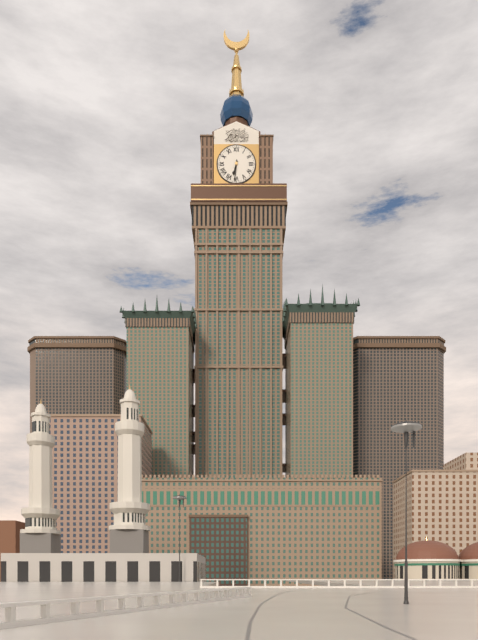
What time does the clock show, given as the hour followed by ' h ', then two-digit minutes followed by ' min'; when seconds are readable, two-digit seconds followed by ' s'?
6 h 31 min
